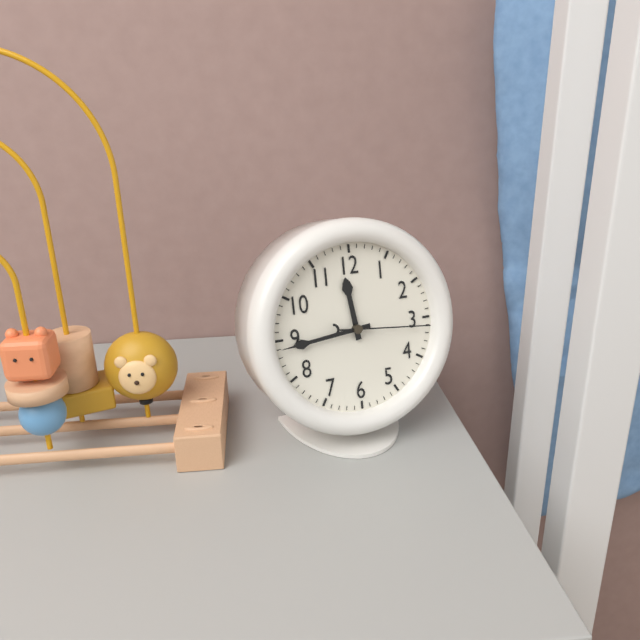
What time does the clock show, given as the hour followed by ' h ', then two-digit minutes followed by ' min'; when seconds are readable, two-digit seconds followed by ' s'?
11 h 44 min 16 s
